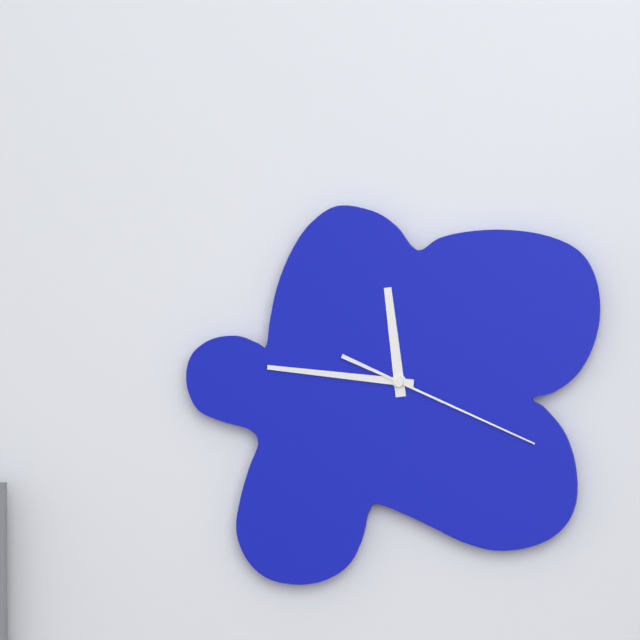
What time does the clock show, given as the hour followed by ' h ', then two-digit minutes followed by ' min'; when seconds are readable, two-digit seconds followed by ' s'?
11 h 46 min 19 s
